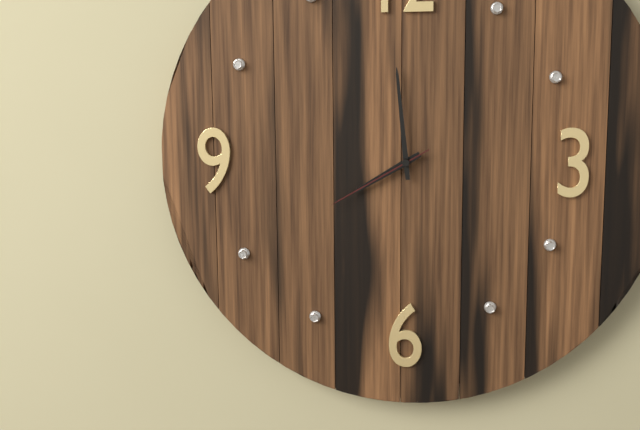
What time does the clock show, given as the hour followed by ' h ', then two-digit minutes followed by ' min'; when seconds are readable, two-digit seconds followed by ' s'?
7 h 59 min 40 s
